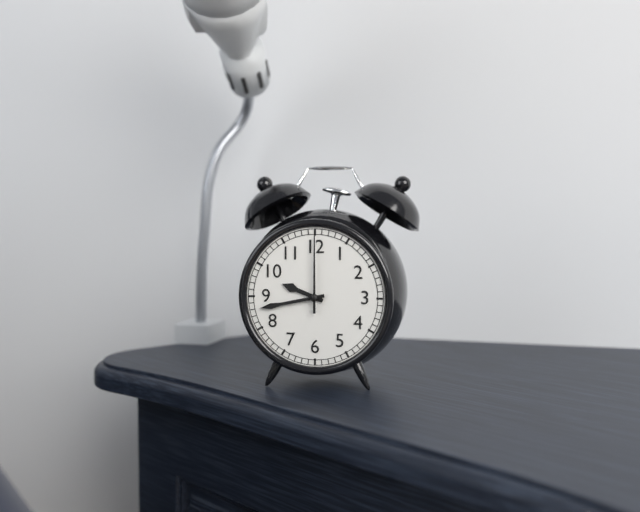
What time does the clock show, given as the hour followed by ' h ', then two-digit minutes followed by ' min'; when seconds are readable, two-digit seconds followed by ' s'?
9 h 43 min 00 s
